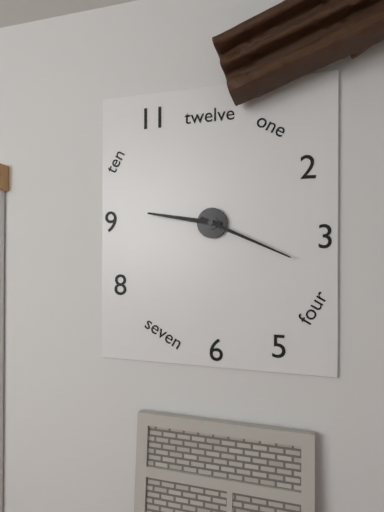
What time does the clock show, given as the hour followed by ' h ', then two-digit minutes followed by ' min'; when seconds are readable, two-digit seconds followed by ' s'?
9 h 19 min
